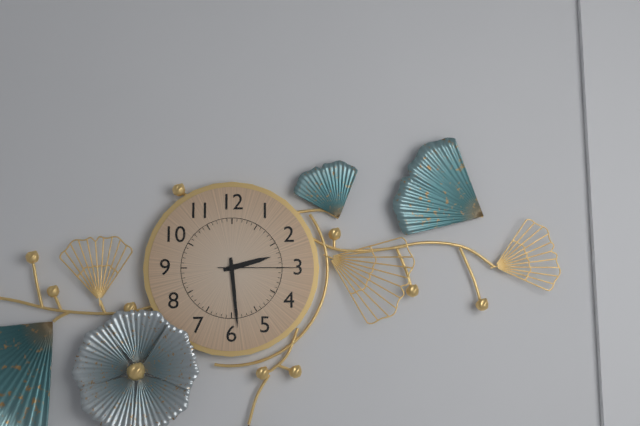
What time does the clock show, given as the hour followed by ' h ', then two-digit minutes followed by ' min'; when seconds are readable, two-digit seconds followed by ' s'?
2 h 29 min 15 s
